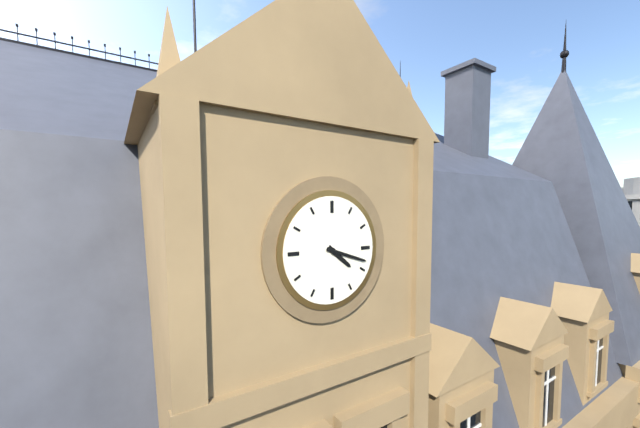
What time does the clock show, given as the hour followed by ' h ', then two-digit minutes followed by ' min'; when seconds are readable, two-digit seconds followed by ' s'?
4 h 18 min
